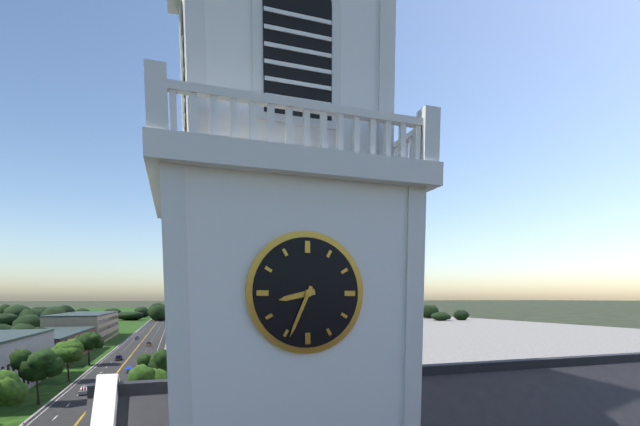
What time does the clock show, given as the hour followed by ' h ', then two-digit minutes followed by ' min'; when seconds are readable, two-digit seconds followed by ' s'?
8 h 34 min
